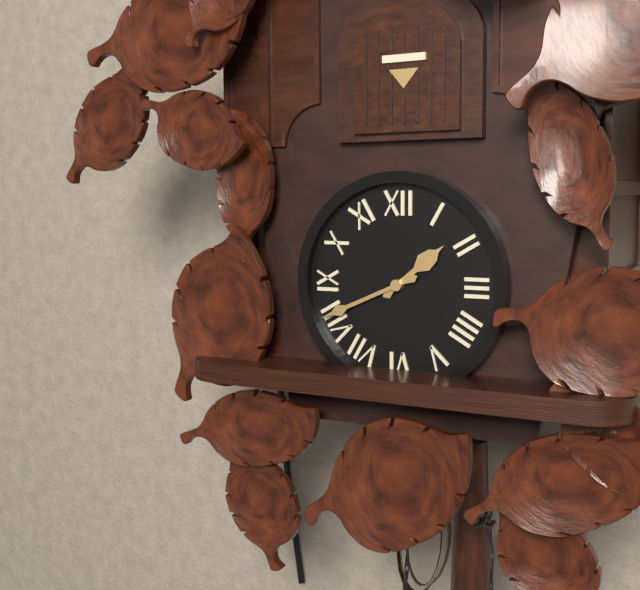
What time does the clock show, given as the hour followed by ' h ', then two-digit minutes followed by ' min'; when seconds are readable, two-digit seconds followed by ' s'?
1 h 41 min
